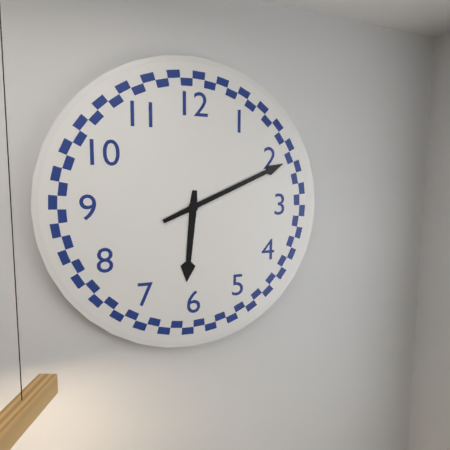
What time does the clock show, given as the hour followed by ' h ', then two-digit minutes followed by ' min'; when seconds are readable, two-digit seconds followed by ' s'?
6 h 11 min
